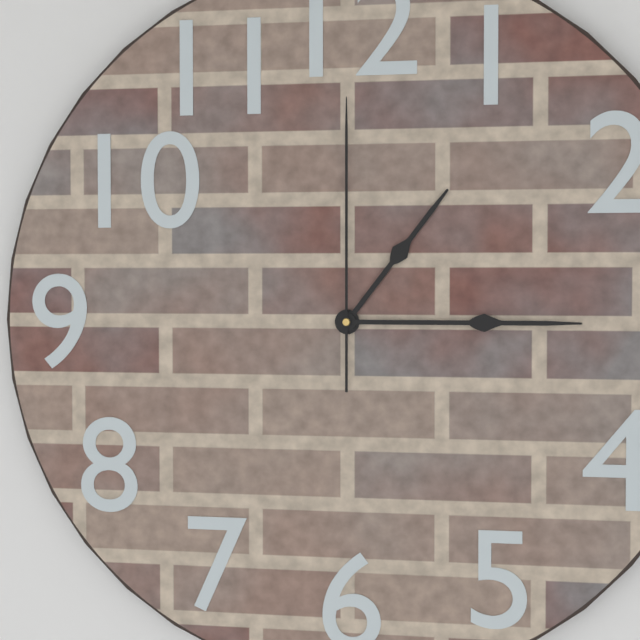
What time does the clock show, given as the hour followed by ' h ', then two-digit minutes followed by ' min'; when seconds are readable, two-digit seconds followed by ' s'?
1 h 15 min 00 s
